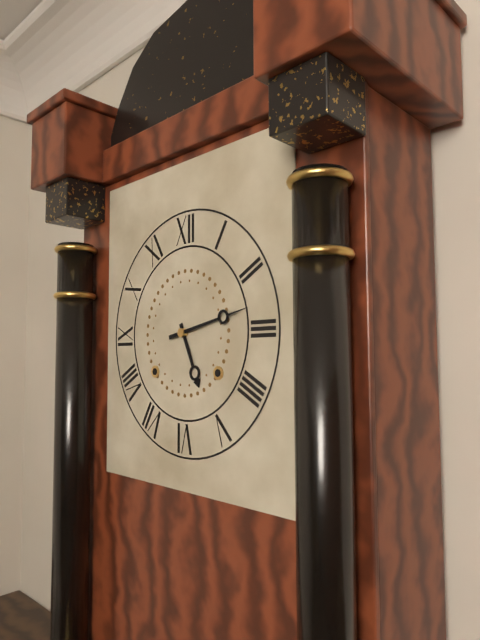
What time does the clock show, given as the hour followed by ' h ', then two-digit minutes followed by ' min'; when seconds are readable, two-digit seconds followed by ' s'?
5 h 13 min
